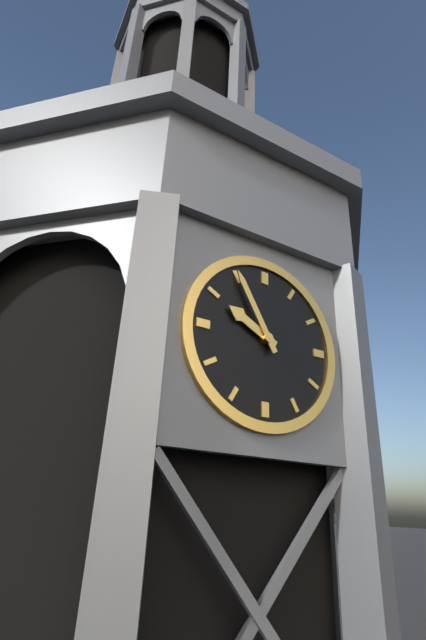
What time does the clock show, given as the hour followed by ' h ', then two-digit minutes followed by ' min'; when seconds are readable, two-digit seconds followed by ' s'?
9 h 55 min
